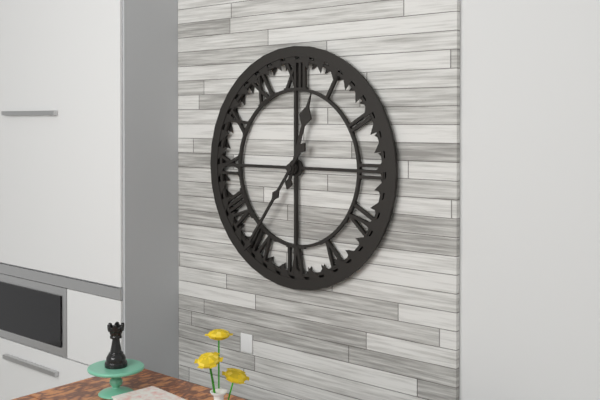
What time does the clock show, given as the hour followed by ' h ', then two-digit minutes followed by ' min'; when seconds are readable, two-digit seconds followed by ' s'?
12 h 36 min
